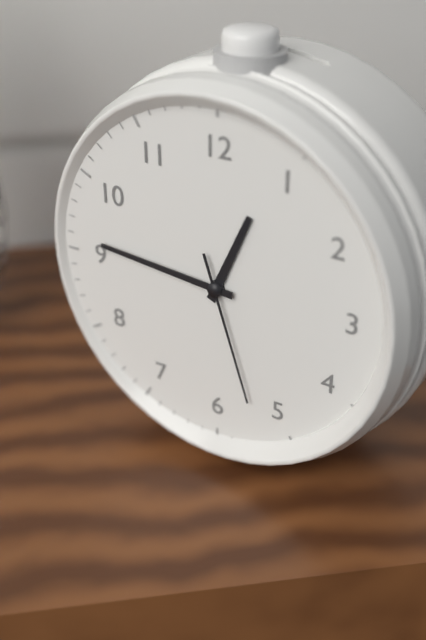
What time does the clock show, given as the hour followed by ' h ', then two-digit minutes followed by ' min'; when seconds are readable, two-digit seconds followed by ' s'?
12 h 46 min 27 s
